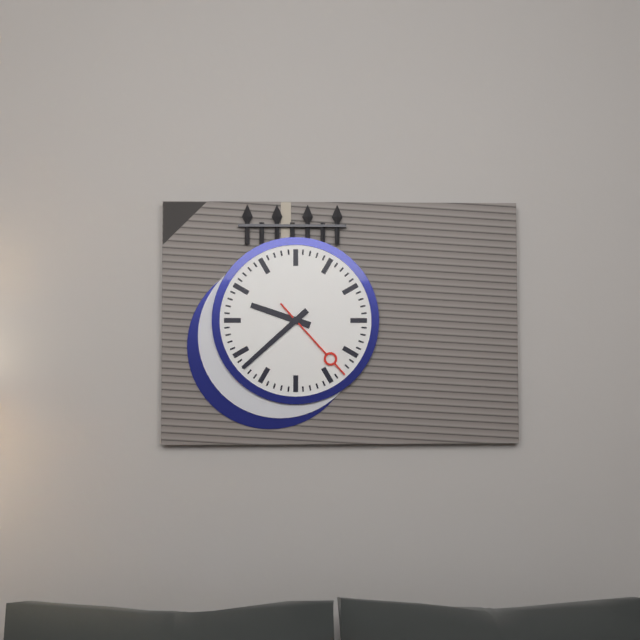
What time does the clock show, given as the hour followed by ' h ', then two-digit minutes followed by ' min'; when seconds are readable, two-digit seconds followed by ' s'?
9 h 38 min 23 s
